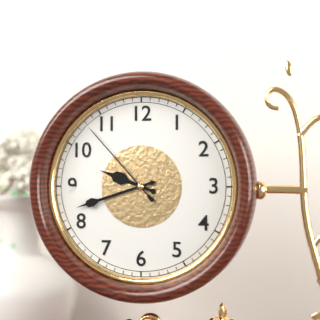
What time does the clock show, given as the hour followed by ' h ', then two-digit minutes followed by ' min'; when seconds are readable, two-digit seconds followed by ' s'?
9 h 42 min 53 s
